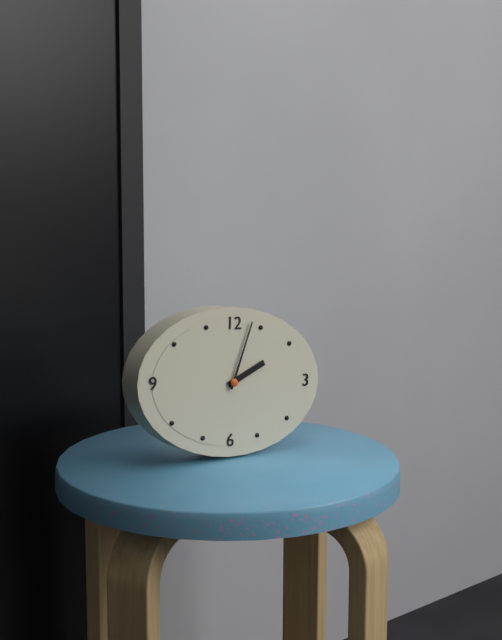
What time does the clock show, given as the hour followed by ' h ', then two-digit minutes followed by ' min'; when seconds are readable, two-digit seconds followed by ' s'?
2 h 03 min
